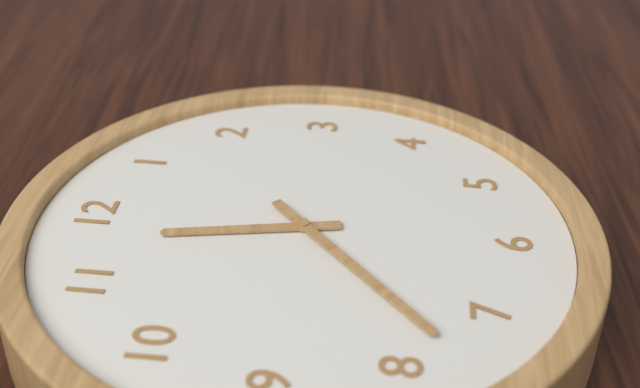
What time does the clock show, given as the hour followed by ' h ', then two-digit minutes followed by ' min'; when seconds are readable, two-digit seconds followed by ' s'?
11 h 38 min
